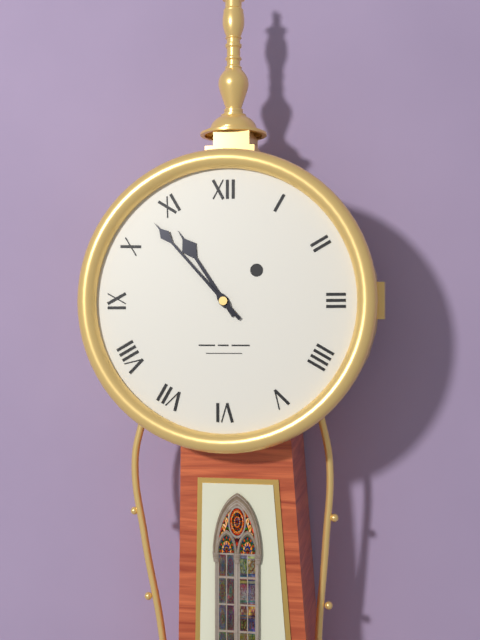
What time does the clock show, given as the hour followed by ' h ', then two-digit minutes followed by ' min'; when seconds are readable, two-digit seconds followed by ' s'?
10 h 53 min
